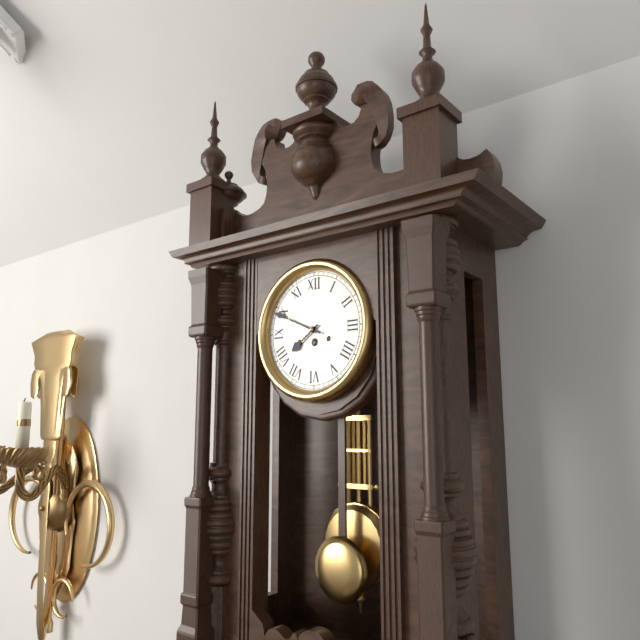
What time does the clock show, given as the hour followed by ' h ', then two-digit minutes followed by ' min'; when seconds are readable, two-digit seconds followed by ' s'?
7 h 49 min
